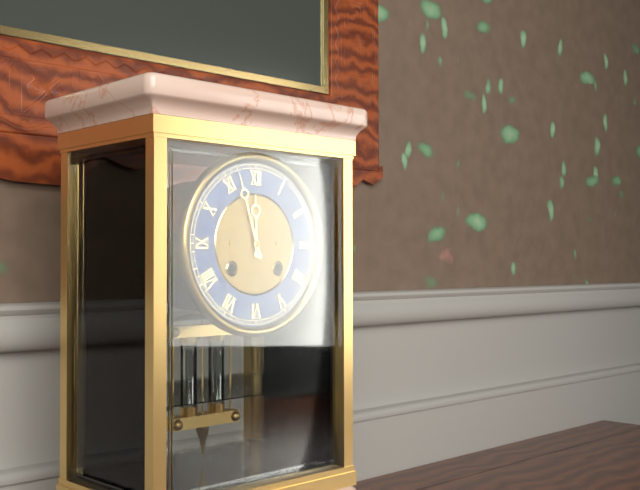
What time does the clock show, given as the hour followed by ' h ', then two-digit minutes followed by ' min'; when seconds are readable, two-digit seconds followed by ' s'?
11 h 57 min
